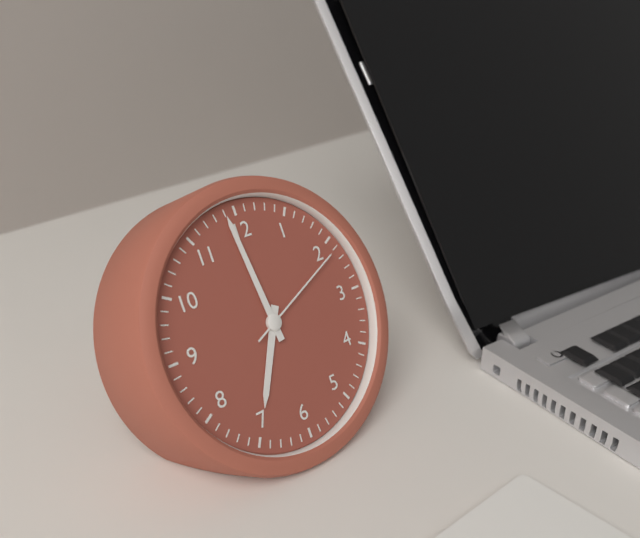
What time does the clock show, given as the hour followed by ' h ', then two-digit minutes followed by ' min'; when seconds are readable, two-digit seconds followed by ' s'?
6 h 59 min 11 s
